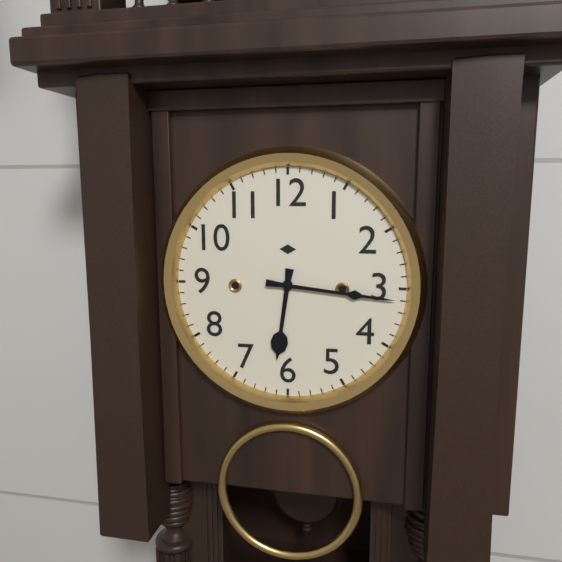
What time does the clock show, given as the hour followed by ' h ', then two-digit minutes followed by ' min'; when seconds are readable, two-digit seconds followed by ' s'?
6 h 16 min
